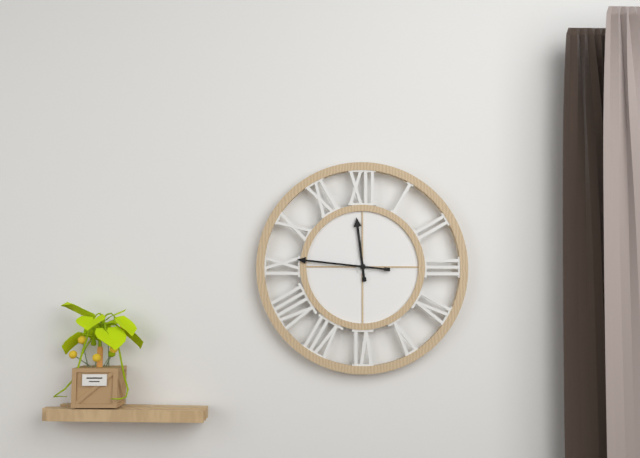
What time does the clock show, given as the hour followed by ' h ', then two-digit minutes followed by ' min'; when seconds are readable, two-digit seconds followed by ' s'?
11 h 46 min
